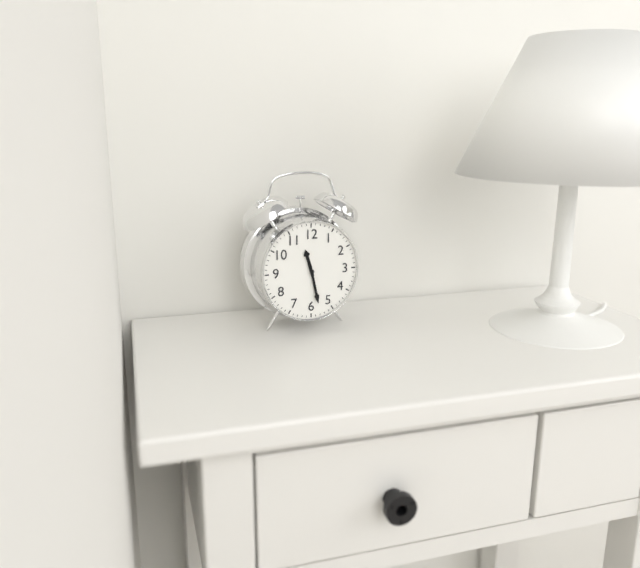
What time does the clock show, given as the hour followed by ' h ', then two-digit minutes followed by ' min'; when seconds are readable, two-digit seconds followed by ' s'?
11 h 28 min
